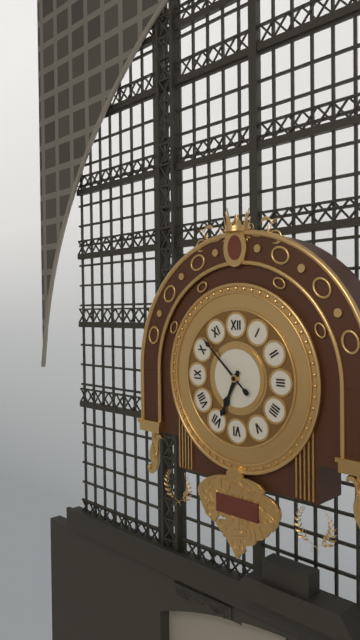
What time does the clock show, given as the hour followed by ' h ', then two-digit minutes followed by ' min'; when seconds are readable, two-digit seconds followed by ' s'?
6 h 52 min
